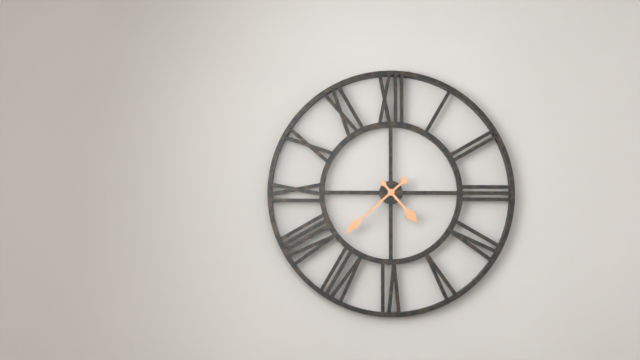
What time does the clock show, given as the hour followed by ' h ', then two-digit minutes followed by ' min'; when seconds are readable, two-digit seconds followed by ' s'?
4 h 38 min
